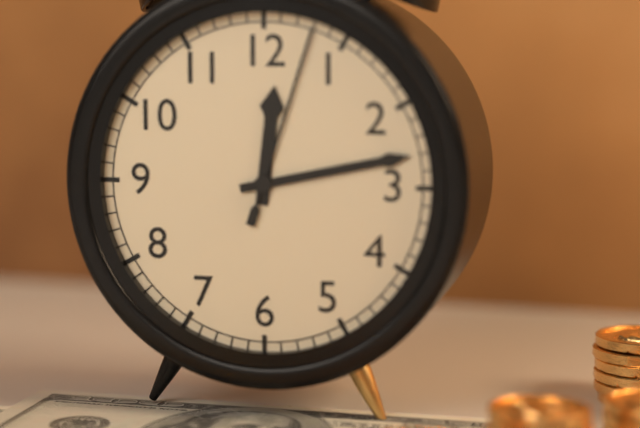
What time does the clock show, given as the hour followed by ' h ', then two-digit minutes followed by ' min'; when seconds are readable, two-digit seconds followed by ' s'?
12 h 13 min 03 s
